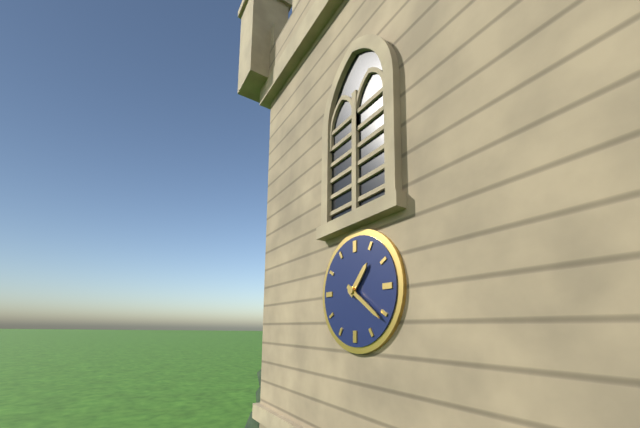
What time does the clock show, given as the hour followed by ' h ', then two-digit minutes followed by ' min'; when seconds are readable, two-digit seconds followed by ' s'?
1 h 21 min
